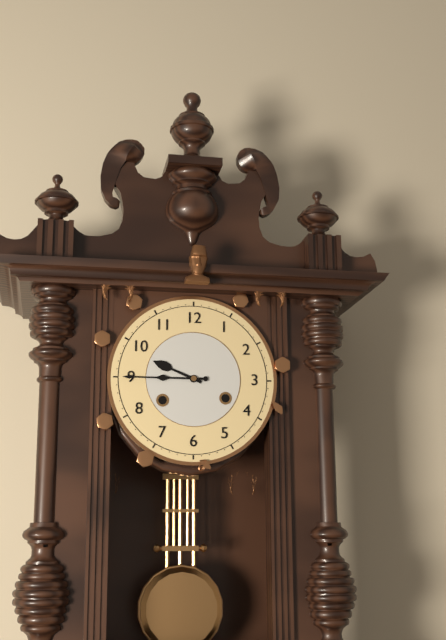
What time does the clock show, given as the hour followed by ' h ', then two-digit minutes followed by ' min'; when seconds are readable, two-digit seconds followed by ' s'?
9 h 45 min
